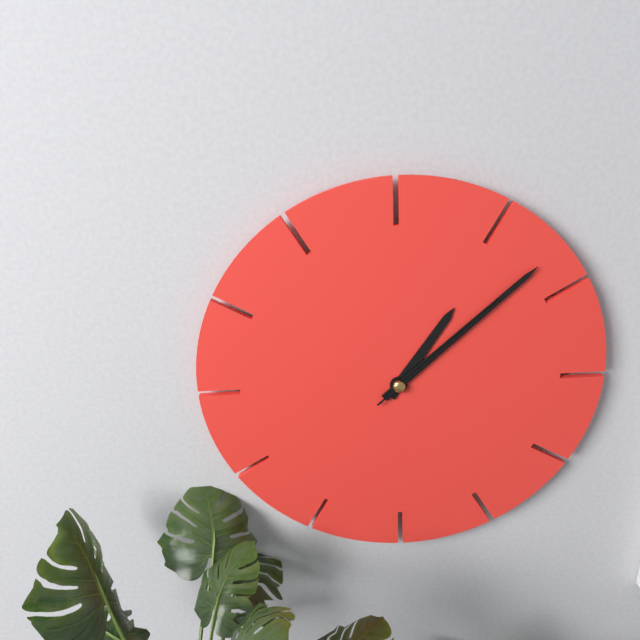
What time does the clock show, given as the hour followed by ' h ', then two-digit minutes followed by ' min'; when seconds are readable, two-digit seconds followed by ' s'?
1 h 08 min 08 s
